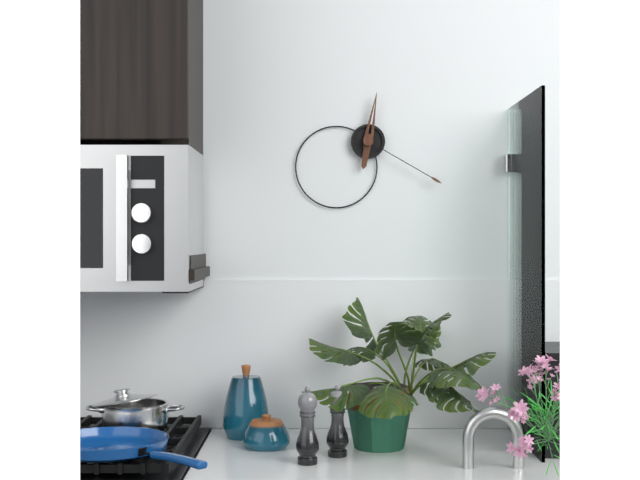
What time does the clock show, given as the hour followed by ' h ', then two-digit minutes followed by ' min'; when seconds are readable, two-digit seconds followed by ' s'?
12 h 20 min
